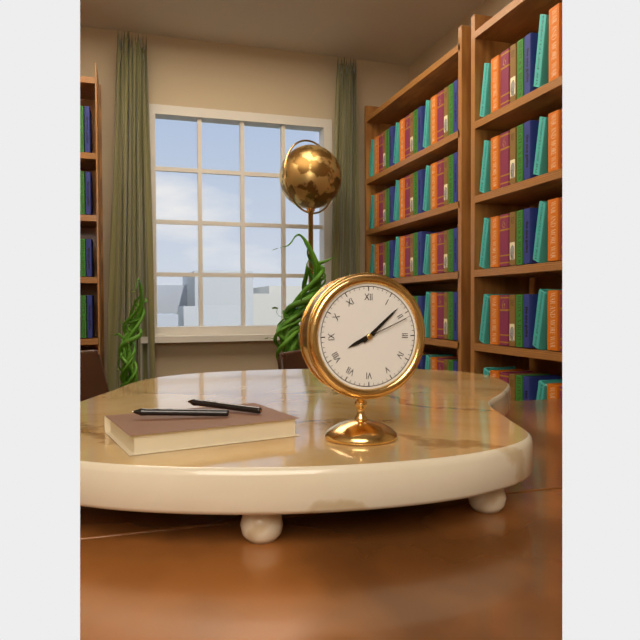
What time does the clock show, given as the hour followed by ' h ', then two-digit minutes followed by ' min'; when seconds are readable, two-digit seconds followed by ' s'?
8 h 08 min 11 s
